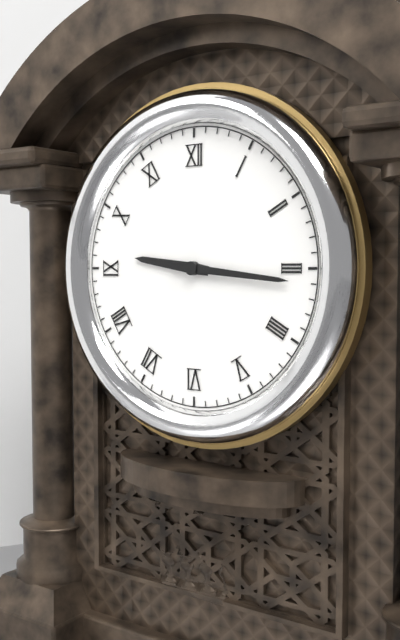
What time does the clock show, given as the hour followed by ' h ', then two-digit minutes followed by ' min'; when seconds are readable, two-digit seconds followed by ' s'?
9 h 16 min
